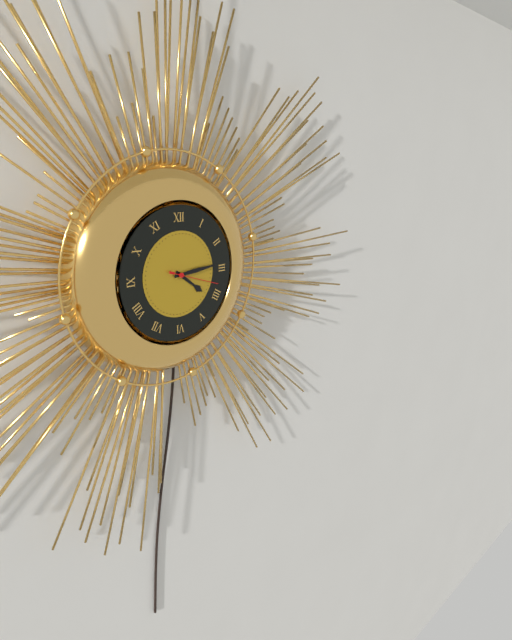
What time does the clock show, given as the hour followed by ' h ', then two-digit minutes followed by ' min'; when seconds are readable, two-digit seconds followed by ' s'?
4 h 14 min
